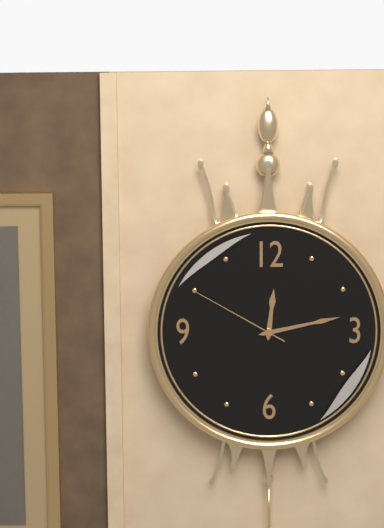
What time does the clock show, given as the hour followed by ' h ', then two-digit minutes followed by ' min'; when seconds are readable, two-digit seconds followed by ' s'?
12 h 13 min 50 s
